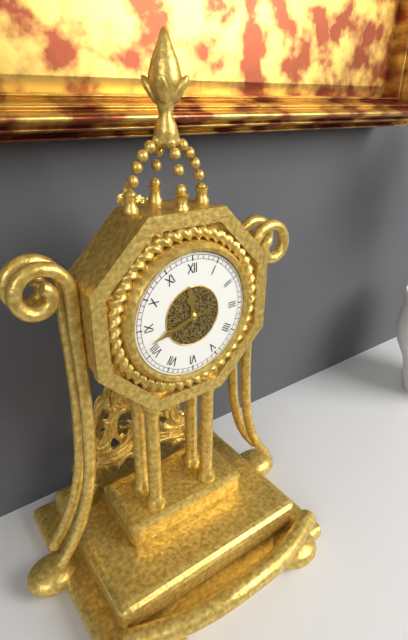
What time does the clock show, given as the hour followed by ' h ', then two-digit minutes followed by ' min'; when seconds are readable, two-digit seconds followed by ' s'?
11 h 42 min
